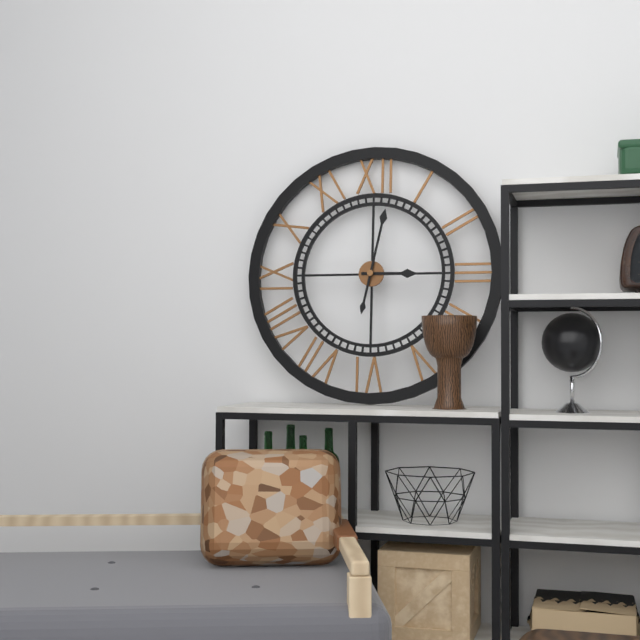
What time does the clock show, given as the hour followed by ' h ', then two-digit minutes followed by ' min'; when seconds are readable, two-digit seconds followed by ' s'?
3 h 02 min
